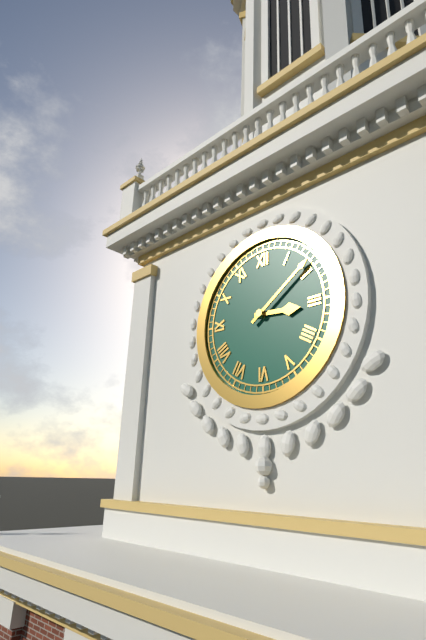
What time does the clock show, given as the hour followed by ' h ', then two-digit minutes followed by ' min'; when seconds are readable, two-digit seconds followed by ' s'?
3 h 09 min
